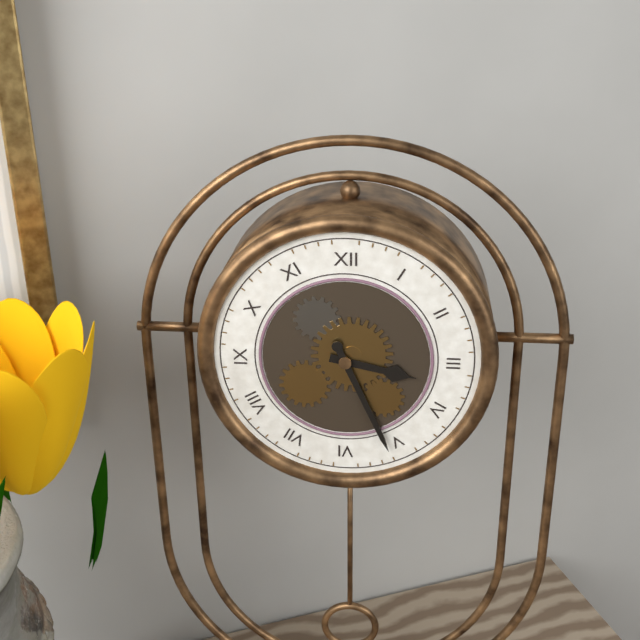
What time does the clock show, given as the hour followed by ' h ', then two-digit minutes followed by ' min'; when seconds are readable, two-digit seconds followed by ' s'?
3 h 26 min
